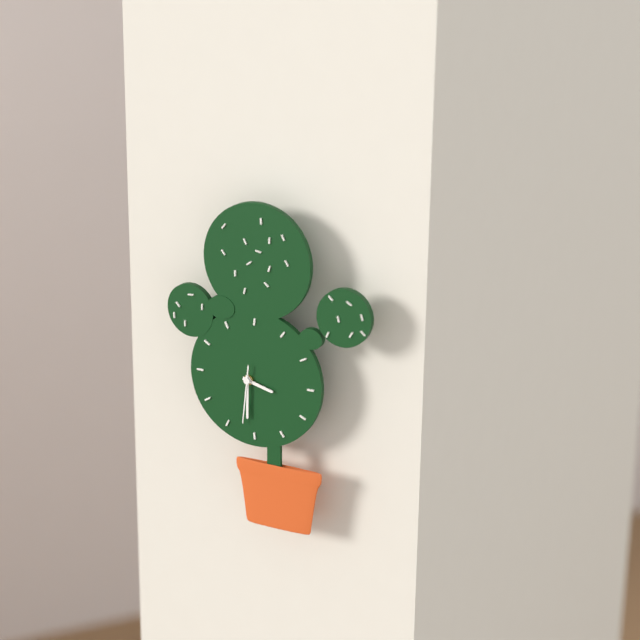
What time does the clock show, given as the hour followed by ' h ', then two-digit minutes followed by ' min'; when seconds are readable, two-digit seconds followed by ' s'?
3 h 30 min 31 s
